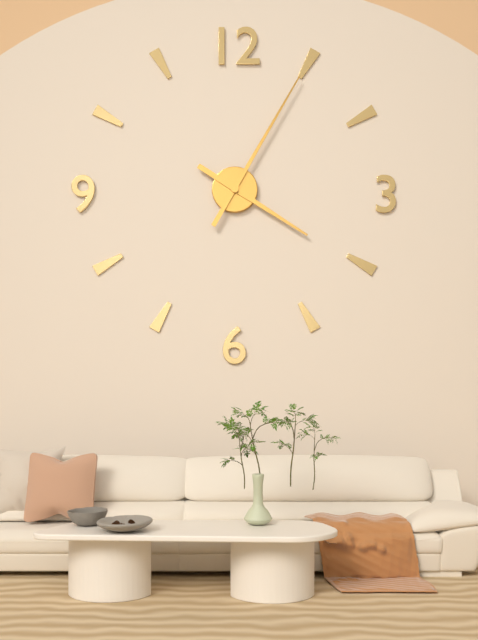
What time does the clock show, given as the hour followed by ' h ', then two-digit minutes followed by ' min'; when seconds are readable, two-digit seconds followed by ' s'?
4 h 05 min
